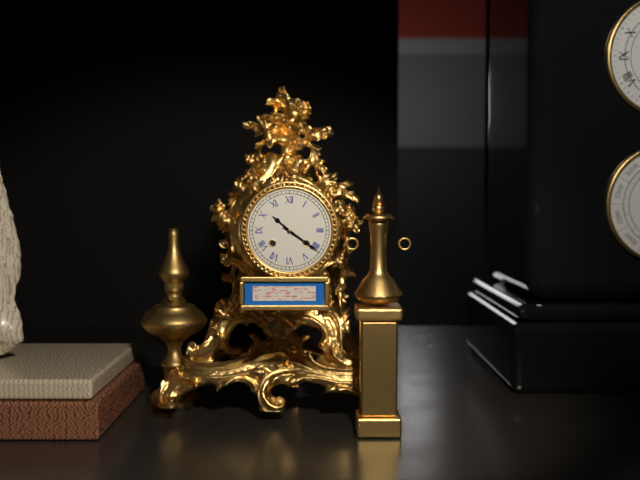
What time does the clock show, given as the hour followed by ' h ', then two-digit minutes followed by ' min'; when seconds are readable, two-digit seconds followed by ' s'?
10 h 21 min
